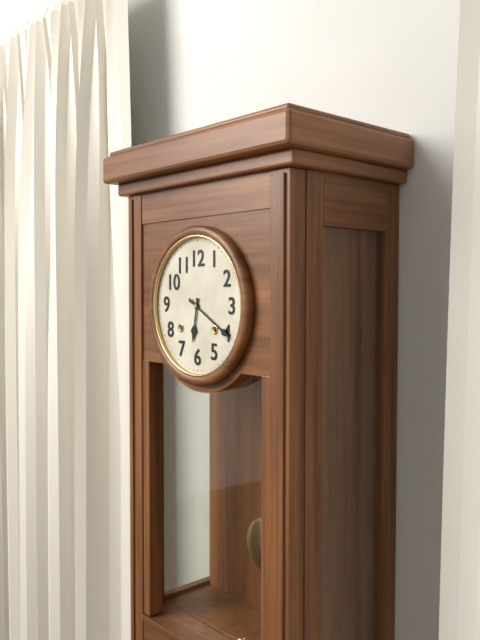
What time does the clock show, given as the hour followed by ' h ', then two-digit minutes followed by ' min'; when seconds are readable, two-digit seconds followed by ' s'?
6 h 20 min
